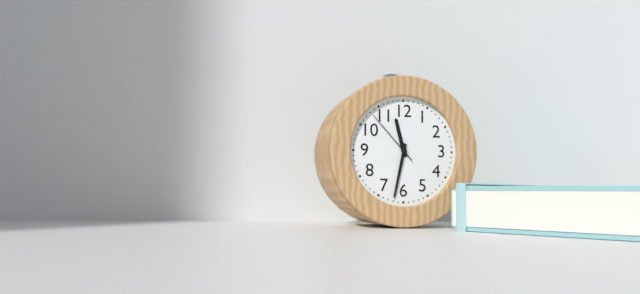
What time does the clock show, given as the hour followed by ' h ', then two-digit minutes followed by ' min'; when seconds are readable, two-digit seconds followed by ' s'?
11 h 32 min 53 s
